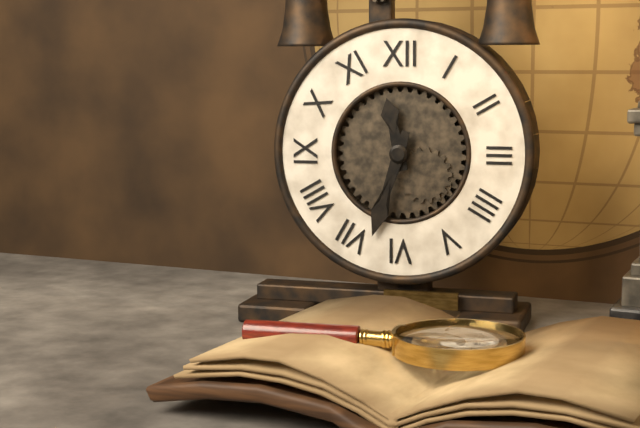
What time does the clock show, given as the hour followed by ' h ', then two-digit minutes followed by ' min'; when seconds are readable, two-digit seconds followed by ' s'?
11 h 33 min
